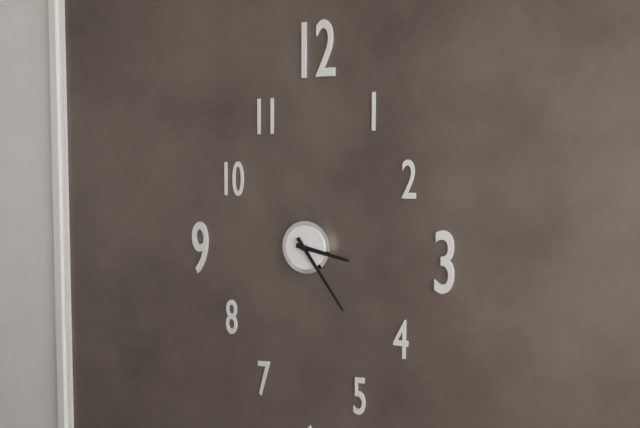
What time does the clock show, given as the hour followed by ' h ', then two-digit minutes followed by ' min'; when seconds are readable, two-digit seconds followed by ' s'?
3 h 24 min
